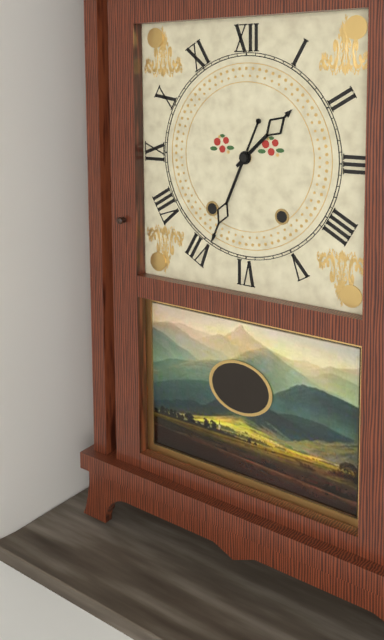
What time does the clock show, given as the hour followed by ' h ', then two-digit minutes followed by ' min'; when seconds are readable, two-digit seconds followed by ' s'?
1 h 34 min
